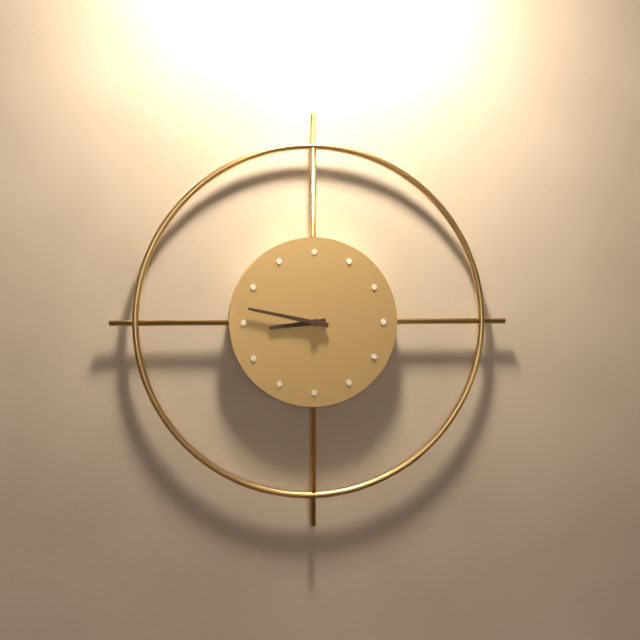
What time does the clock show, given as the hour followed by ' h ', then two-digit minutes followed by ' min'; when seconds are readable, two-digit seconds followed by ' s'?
8 h 47 min
